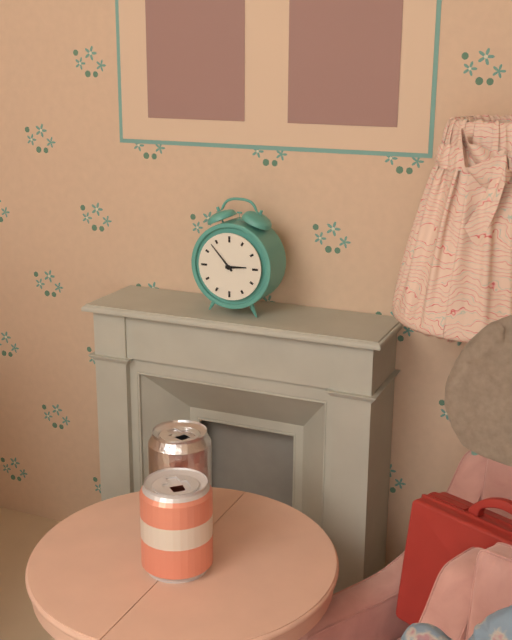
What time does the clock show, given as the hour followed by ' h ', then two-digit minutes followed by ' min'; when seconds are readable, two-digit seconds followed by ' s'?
2 h 53 min
